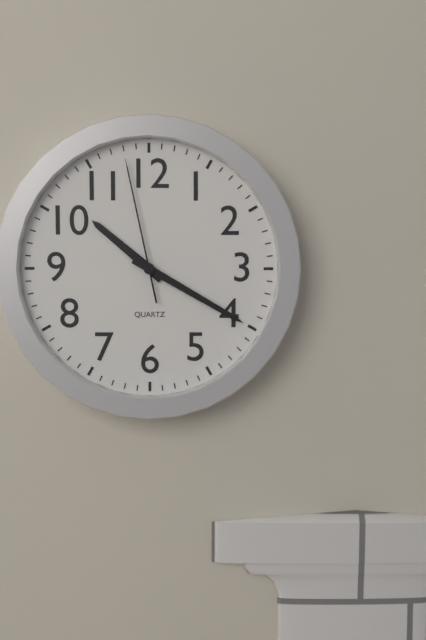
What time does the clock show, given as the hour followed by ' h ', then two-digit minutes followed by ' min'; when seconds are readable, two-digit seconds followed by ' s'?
10 h 20 min 58 s
